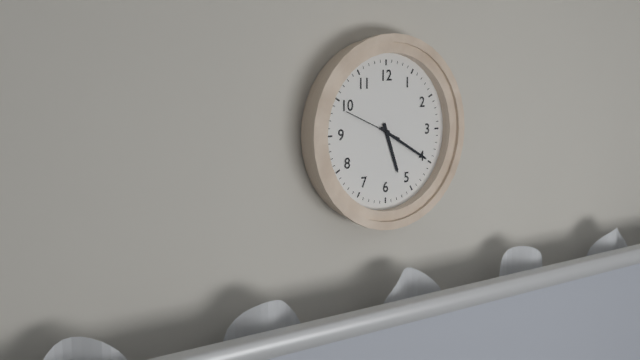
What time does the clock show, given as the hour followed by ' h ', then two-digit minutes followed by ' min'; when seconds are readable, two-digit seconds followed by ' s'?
5 h 20 min 49 s
